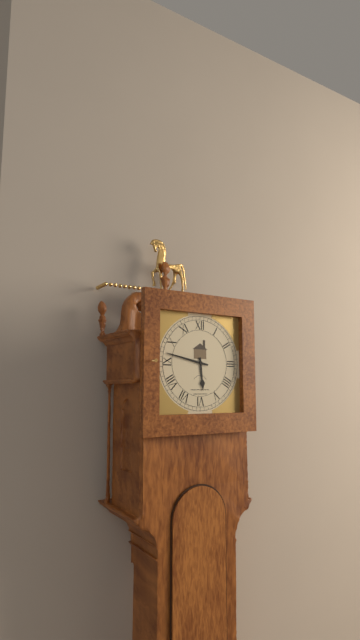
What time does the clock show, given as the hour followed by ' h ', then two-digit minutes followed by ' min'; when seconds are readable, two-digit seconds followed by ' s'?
5 h 47 min
